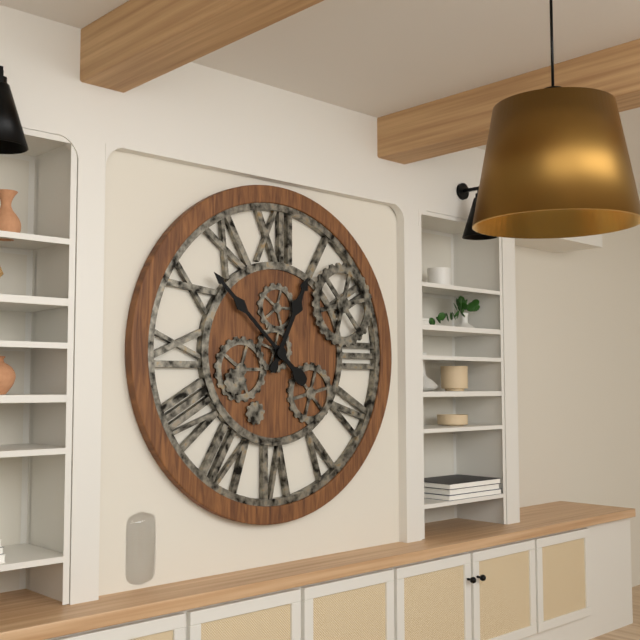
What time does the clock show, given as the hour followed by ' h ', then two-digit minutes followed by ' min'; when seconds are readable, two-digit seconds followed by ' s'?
12 h 52 min
